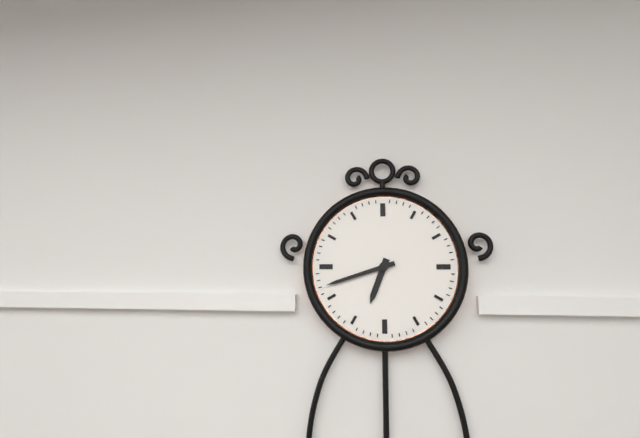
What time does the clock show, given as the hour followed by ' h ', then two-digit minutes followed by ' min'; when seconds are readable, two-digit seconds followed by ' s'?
6 h 42 min
